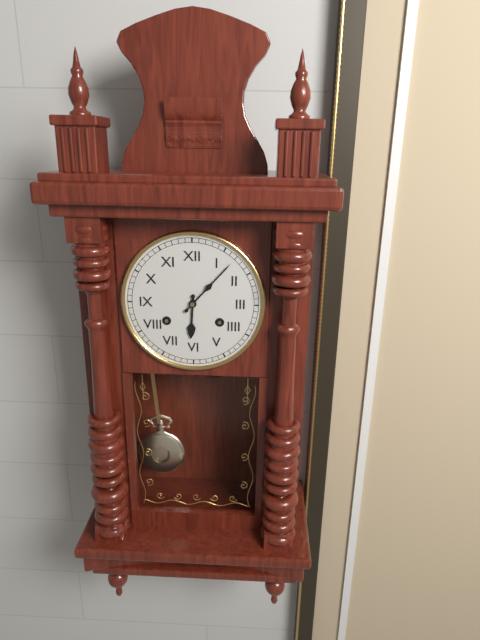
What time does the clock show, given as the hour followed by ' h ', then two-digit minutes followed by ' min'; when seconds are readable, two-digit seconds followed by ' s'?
6 h 07 min
